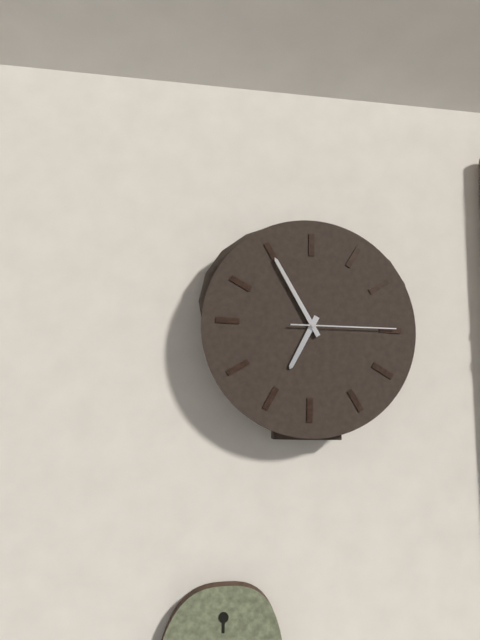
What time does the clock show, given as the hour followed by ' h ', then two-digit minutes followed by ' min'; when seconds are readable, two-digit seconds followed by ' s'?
6 h 55 min 15 s
